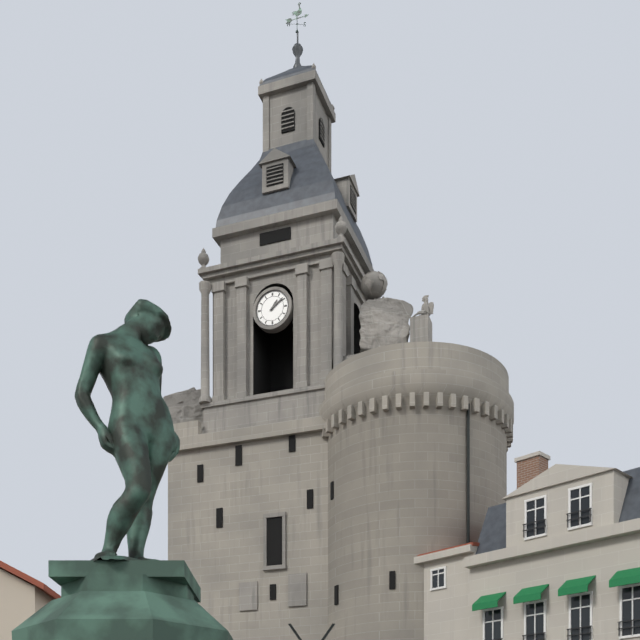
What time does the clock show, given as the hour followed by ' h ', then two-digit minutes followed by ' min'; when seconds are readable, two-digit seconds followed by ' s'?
1 h 09 min
